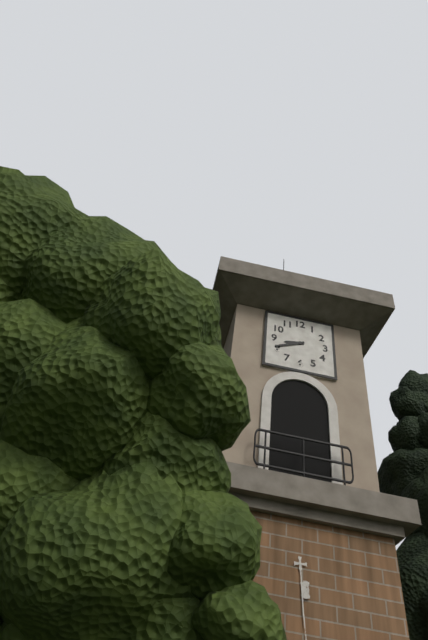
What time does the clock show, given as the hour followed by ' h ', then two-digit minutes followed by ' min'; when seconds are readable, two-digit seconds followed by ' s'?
8 h 41 min
